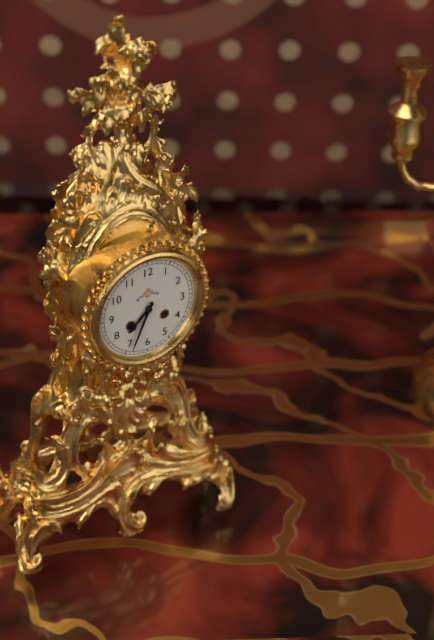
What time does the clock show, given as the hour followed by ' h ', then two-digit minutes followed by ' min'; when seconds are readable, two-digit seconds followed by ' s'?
7 h 34 min
